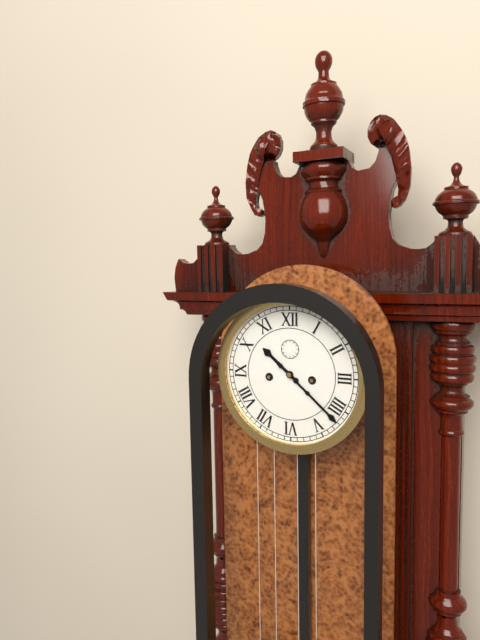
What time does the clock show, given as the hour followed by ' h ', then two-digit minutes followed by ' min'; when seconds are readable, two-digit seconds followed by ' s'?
10 h 22 min
